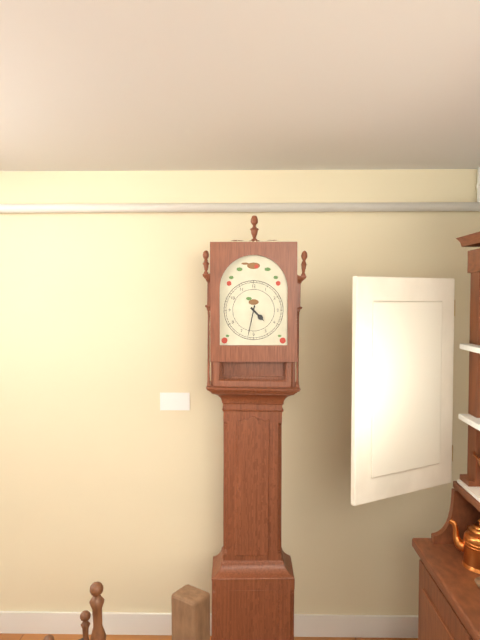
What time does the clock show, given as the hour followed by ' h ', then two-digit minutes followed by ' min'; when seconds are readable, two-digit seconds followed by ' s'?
4 h 32 min
